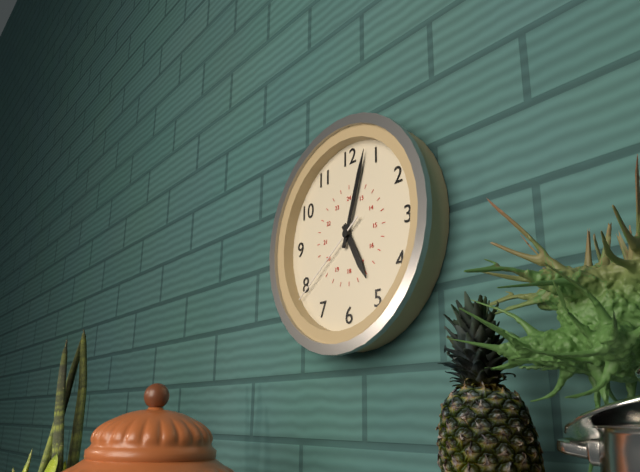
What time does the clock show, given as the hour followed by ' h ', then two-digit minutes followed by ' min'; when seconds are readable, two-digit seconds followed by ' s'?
5 h 03 min 39 s
